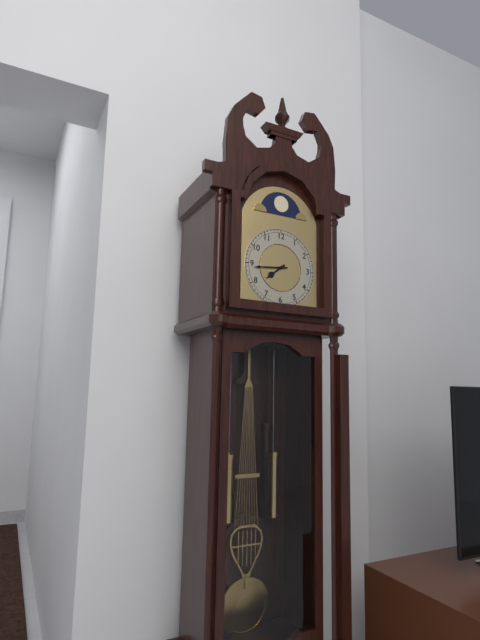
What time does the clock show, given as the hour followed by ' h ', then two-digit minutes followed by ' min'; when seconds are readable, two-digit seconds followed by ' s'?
7 h 44 min
